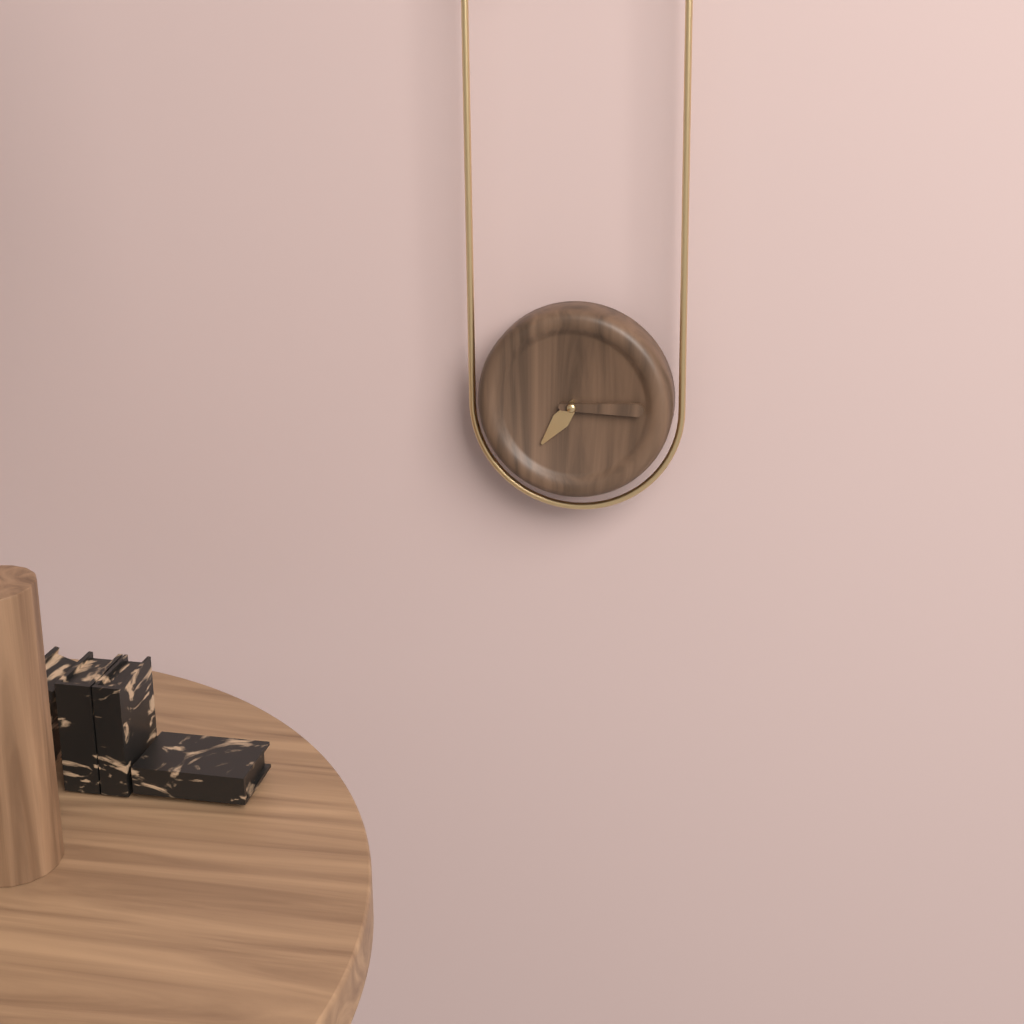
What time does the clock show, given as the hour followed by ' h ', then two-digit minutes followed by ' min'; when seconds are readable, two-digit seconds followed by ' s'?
7 h 15 min
